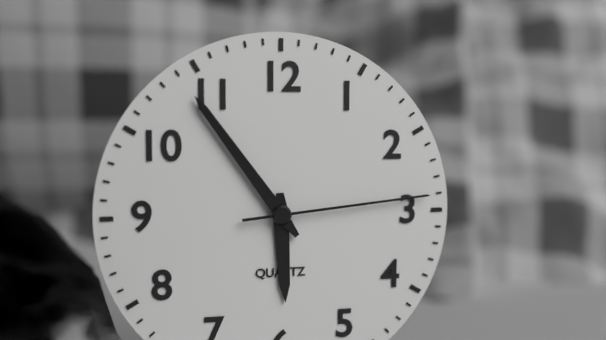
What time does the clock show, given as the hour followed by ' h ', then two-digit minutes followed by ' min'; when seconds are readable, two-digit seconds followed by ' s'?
5 h 54 min 14 s
